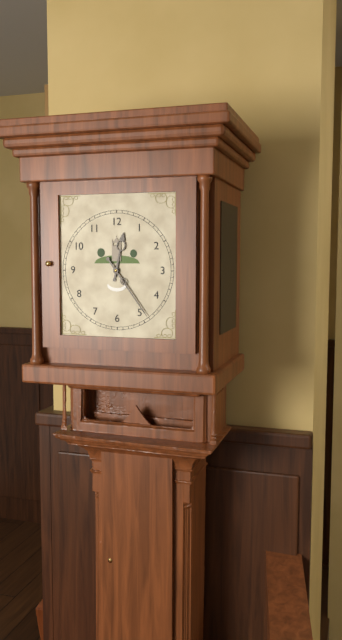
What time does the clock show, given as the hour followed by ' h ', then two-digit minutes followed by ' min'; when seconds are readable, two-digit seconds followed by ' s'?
12 h 24 min
